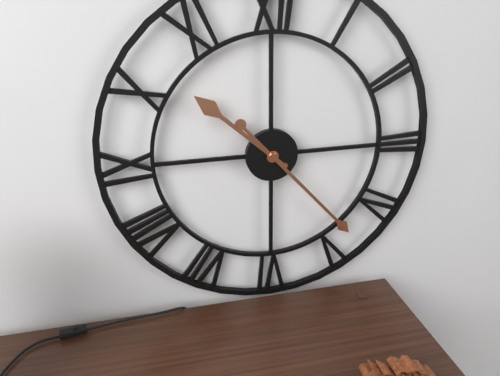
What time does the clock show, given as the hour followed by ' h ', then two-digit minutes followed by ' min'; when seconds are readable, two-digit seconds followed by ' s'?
10 h 23 min
